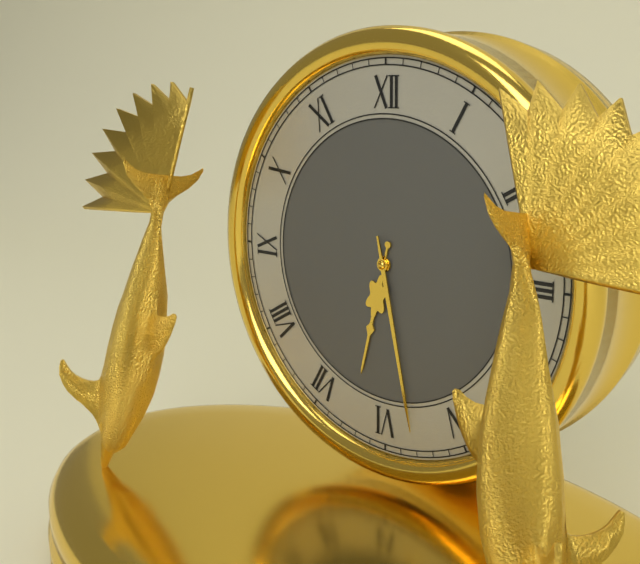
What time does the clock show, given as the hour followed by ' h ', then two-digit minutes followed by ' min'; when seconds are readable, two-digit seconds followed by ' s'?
6 h 28 min
